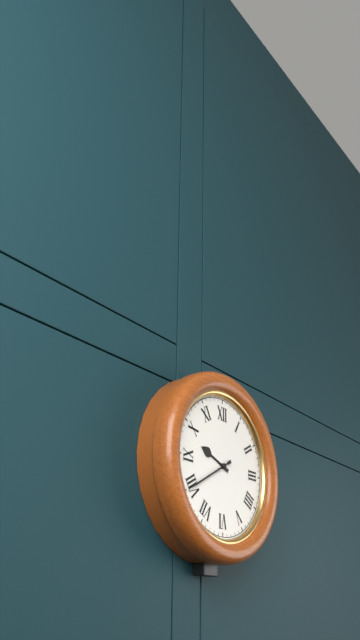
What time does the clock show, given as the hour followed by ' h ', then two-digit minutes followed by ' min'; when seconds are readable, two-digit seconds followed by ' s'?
9 h 40 min
